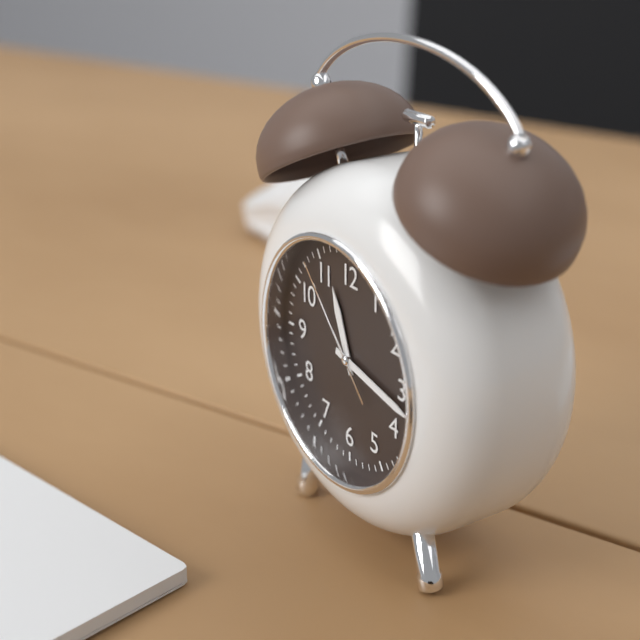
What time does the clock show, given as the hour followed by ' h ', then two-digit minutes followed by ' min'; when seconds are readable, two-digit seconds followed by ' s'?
11 h 17 min 53 s
